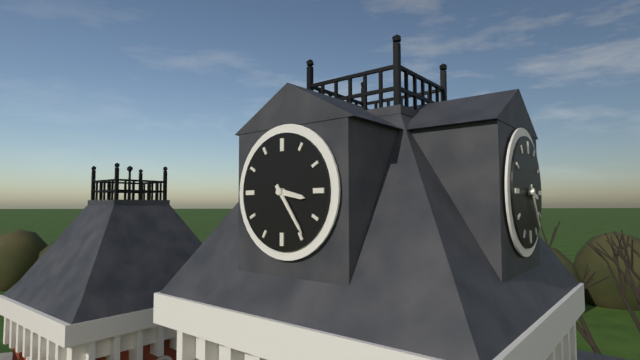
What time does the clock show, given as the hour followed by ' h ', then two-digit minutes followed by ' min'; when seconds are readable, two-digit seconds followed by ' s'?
3 h 24 min
